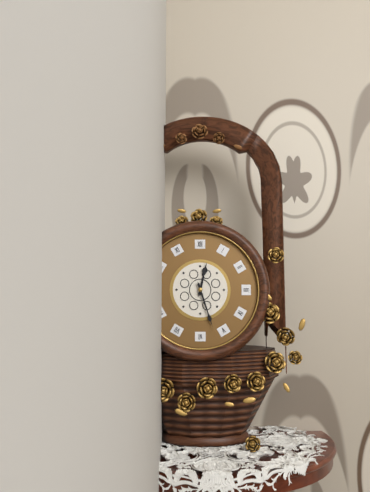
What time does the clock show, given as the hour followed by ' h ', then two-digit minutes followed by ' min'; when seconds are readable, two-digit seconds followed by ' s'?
12 h 27 min
